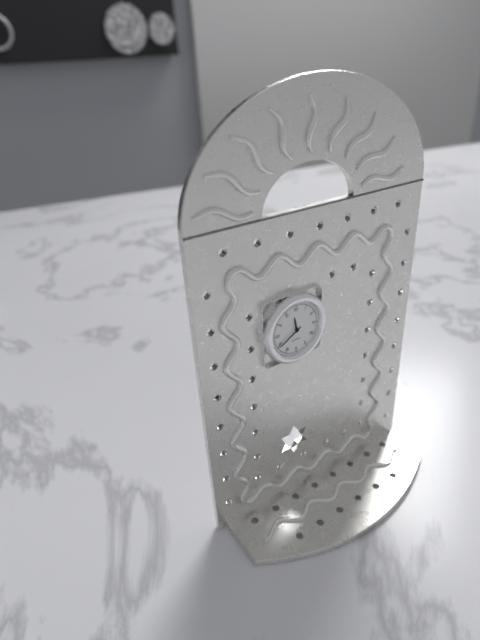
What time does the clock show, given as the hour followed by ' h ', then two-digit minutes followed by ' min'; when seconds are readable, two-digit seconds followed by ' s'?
11 h 40 min
